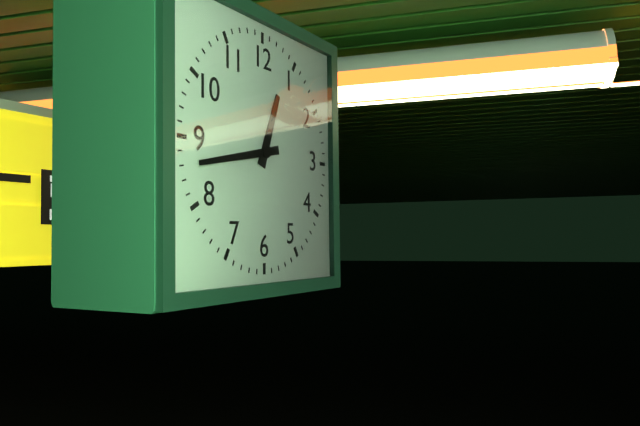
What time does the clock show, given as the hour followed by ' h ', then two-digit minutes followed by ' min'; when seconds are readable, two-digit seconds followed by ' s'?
12 h 43 min
